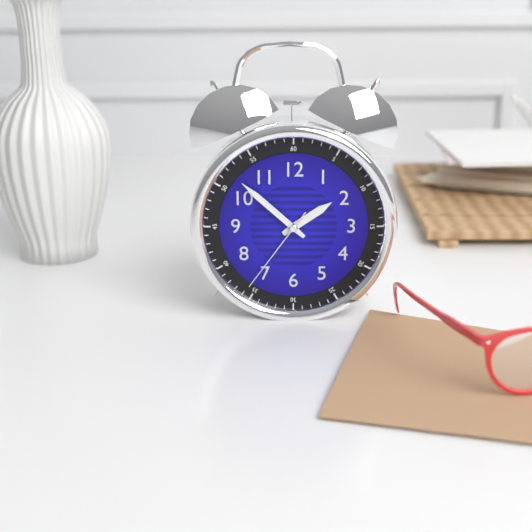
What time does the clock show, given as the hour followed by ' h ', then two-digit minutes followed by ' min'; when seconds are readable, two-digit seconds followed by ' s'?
1 h 52 min 36 s
